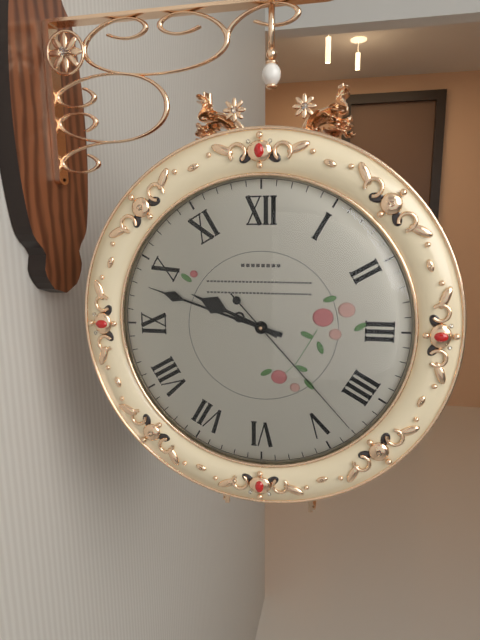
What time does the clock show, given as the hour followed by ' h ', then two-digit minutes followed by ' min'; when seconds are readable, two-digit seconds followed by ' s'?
9 h 48 min 23 s
